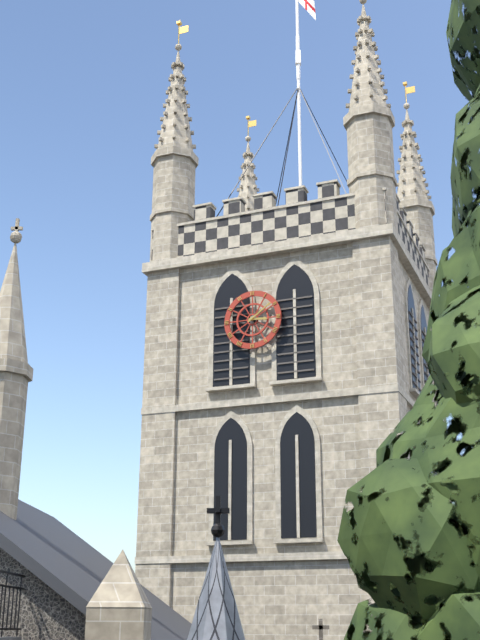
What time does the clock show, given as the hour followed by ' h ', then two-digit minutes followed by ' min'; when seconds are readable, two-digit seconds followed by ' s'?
3 h 09 min
